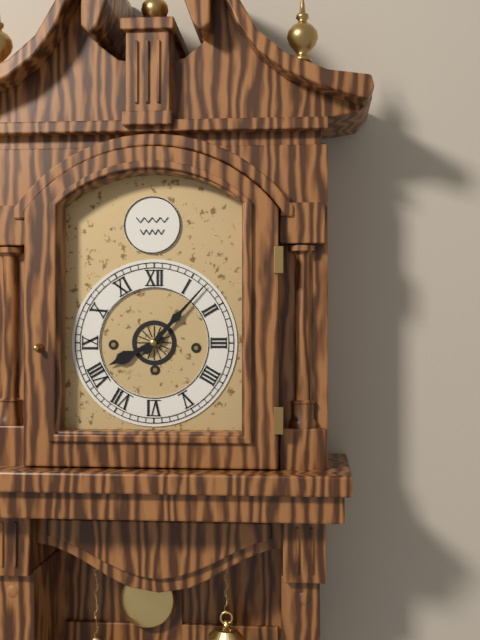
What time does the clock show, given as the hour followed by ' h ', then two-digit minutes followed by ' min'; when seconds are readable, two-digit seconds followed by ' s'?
8 h 07 min
